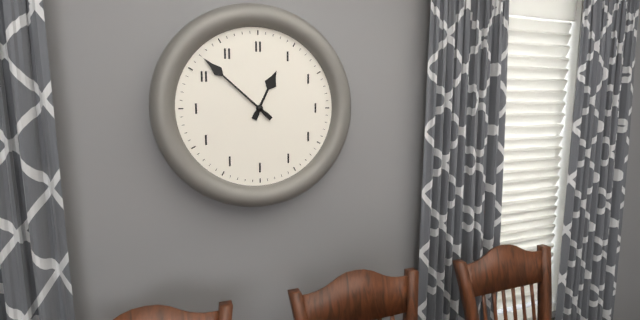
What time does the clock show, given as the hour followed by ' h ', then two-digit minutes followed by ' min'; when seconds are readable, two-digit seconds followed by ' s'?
12 h 52 min
